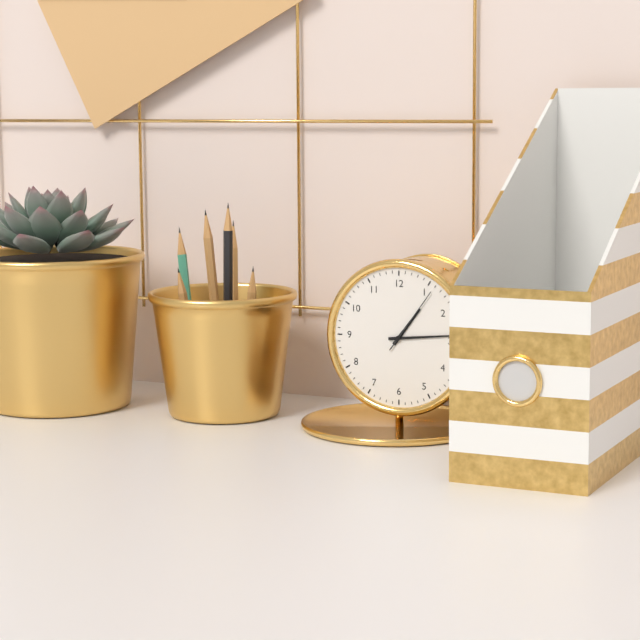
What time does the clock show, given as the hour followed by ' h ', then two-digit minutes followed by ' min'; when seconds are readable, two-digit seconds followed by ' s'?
1 h 14 min 06 s
